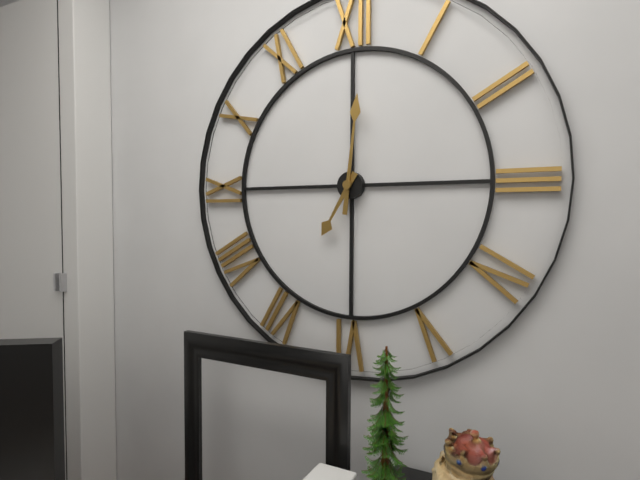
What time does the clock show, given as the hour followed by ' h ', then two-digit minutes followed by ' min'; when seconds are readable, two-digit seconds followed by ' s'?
7 h 01 min
